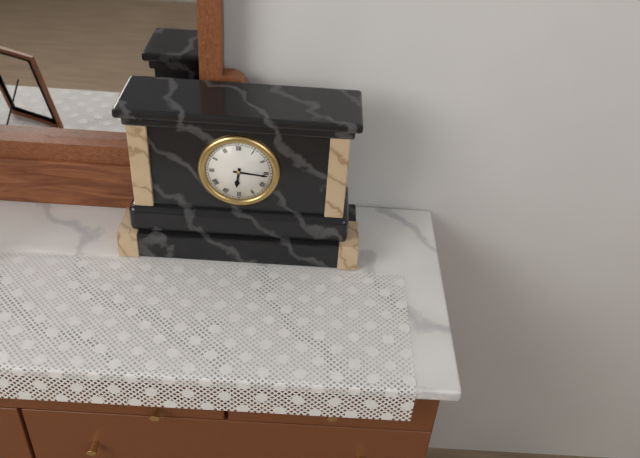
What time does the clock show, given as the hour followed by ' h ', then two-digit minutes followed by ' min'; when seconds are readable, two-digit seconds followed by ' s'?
6 h 16 min
